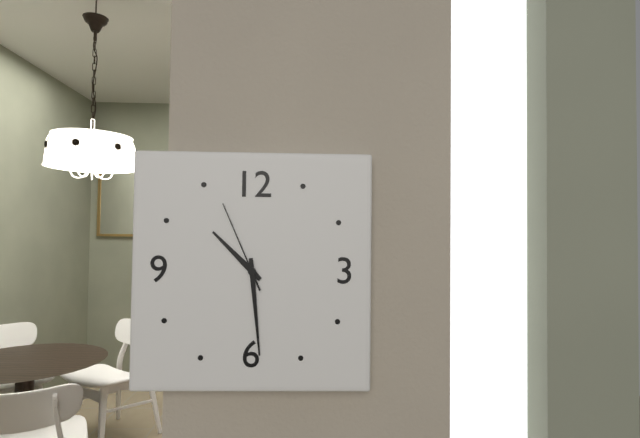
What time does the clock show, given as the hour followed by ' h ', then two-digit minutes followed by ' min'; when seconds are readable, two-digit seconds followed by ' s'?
10 h 29 min 56 s
